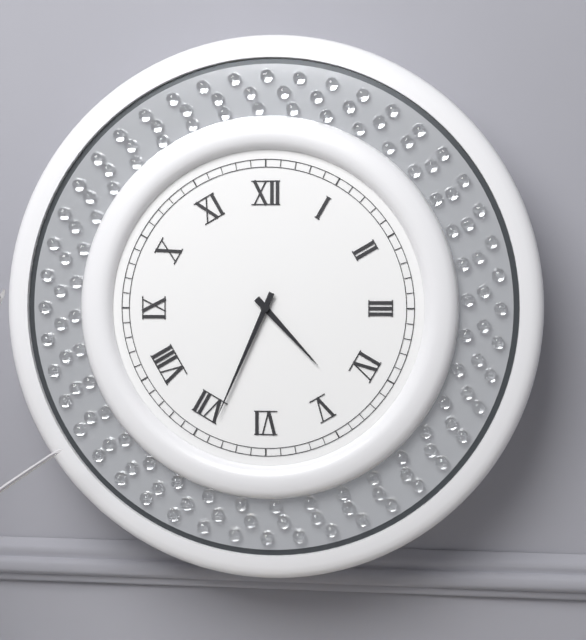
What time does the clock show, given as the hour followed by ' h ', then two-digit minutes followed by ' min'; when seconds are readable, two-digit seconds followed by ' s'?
4 h 34 min
